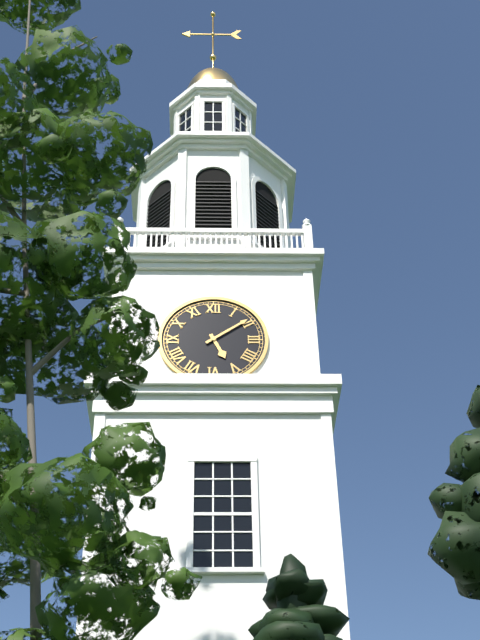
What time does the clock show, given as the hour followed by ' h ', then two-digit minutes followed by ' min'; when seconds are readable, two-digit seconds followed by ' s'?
5 h 09 min
